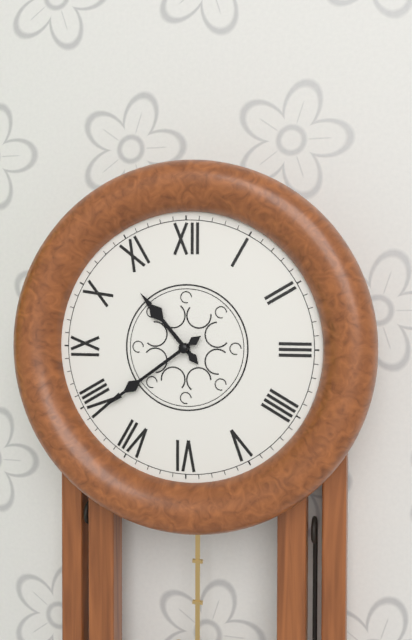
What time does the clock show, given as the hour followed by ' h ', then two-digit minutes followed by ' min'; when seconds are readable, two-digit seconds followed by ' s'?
10 h 39 min
